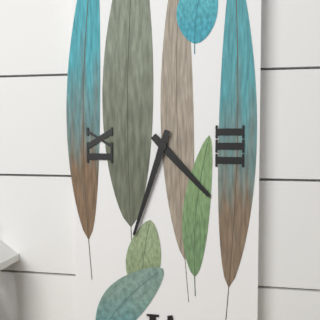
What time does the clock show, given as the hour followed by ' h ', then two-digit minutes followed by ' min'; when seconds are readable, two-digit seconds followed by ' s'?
4 h 33 min
